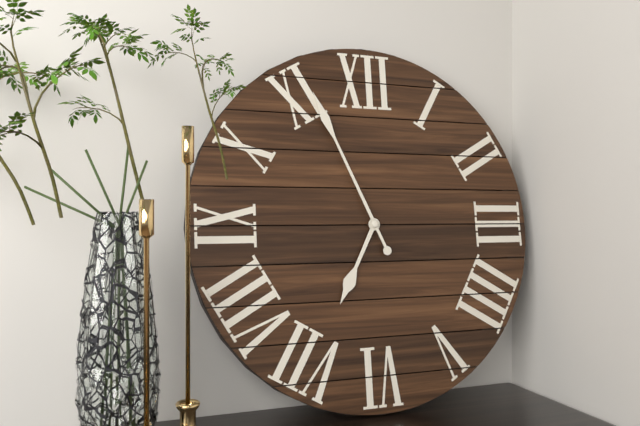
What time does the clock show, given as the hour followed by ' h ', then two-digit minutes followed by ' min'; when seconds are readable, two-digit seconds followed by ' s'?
6 h 56 min
